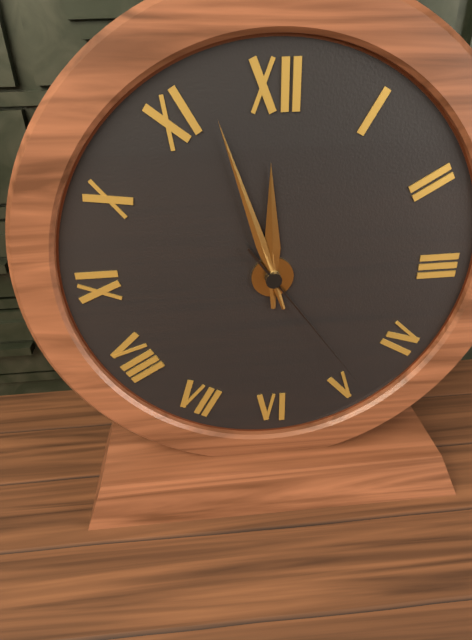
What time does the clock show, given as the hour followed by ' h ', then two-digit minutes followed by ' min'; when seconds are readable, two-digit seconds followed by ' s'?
11 h 57 min 24 s
